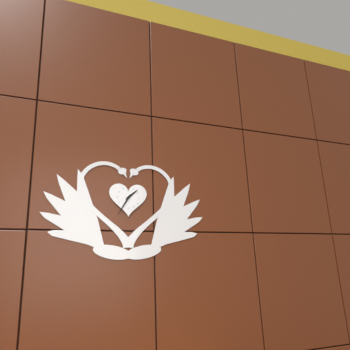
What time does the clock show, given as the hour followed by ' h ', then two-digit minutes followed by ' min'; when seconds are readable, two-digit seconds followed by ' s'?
1 h 35 min
